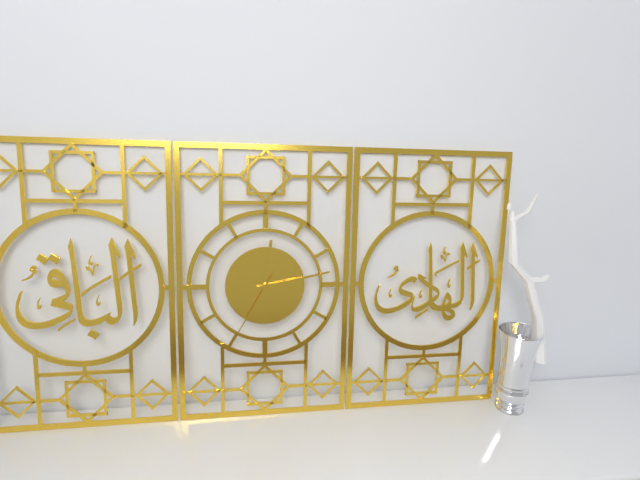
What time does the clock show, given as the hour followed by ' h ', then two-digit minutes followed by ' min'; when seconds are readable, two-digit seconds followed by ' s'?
12 h 13 min 35 s
